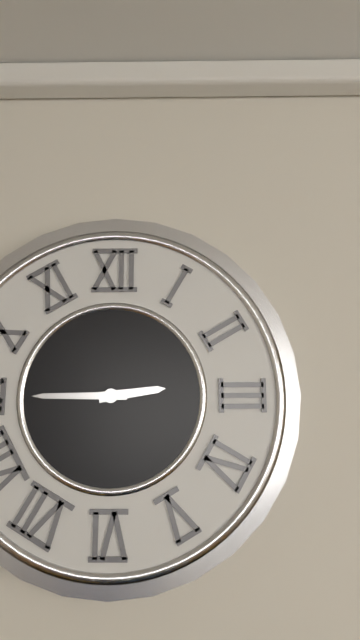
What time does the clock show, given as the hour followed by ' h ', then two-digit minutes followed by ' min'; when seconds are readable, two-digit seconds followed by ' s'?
2 h 45 min
